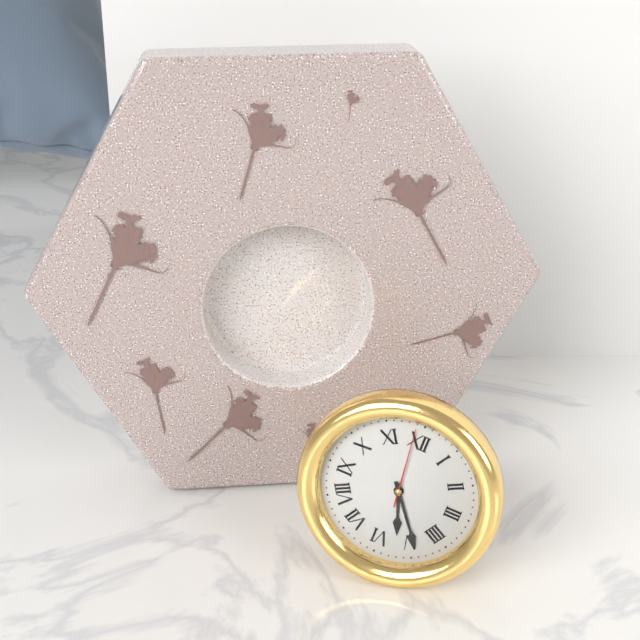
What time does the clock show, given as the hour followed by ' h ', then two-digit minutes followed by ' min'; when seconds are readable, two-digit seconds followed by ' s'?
5 h 24 min 59 s
